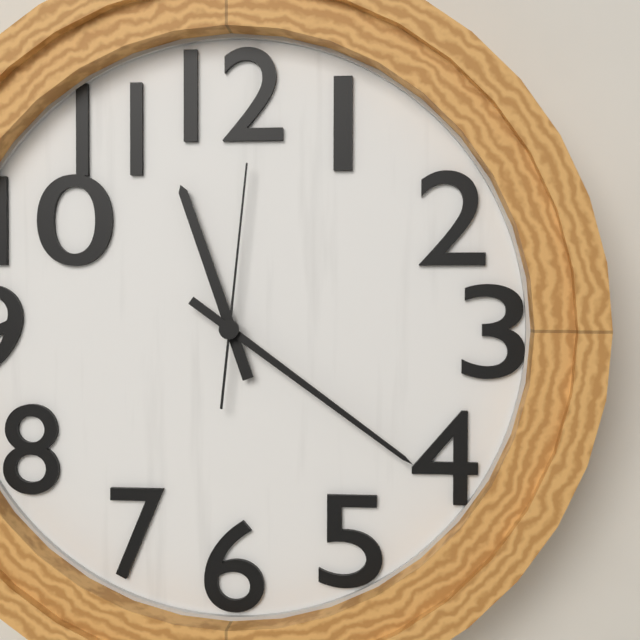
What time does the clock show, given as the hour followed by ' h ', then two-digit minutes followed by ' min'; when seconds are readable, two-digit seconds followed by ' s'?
11 h 21 min 01 s
